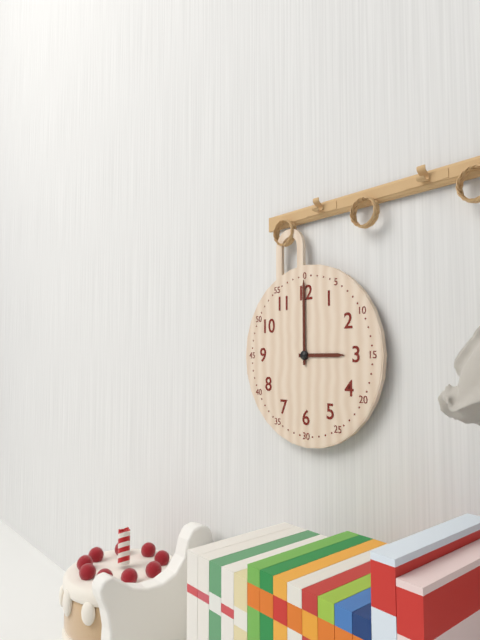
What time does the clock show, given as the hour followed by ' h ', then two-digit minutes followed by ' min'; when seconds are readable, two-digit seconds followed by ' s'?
3 h 00 min
